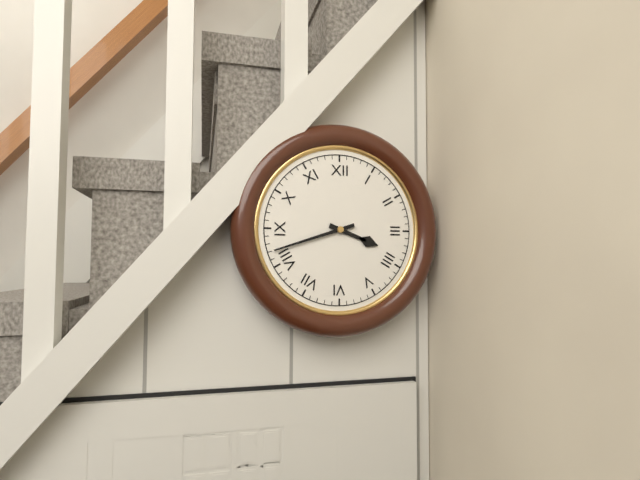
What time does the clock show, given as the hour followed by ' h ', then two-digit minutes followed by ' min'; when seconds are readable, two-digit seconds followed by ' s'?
3 h 42 min
